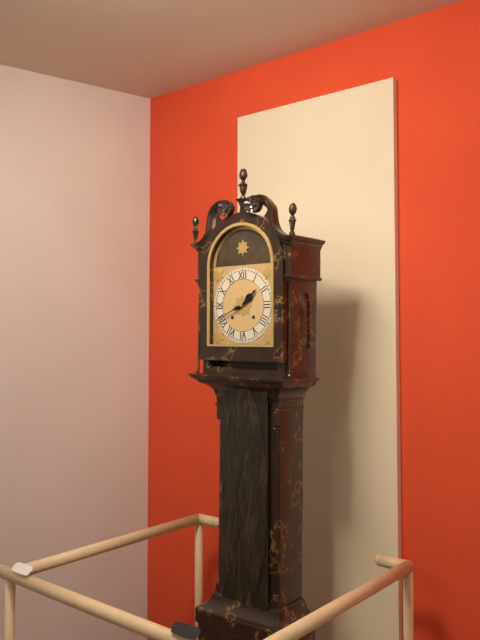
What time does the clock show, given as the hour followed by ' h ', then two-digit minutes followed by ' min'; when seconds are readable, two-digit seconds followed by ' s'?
1 h 41 min
